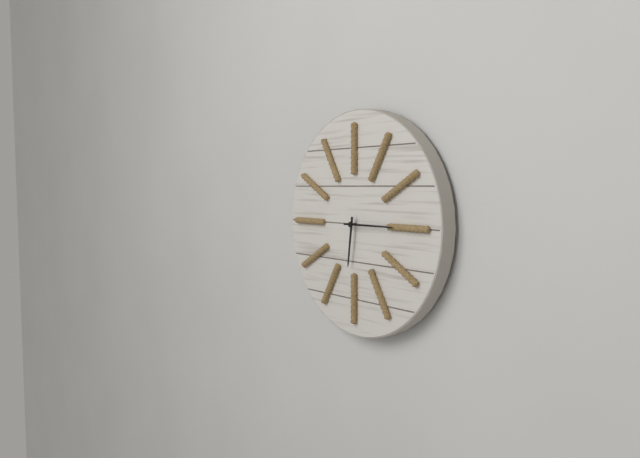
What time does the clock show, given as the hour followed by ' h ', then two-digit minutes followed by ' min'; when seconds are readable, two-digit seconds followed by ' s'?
6 h 15 min
